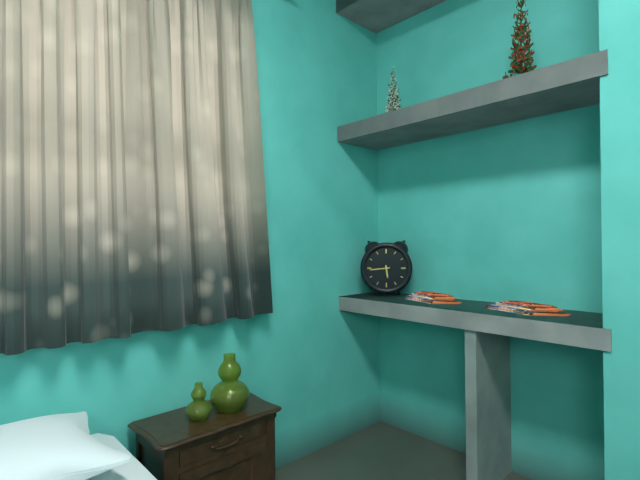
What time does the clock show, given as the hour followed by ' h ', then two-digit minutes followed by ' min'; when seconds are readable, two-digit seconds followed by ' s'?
5 h 44 min
